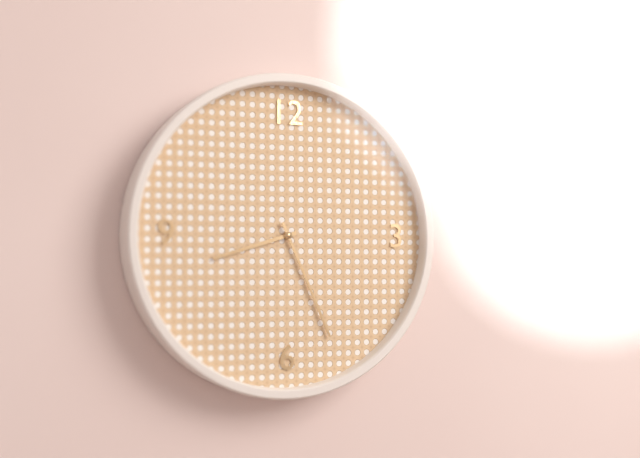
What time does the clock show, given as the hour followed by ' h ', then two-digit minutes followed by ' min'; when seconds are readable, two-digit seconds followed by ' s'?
8 h 26 min
